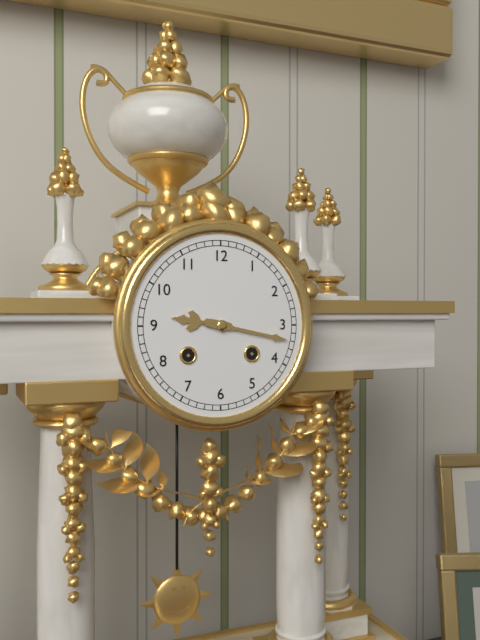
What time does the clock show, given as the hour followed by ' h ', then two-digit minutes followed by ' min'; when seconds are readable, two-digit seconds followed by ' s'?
9 h 17 min
